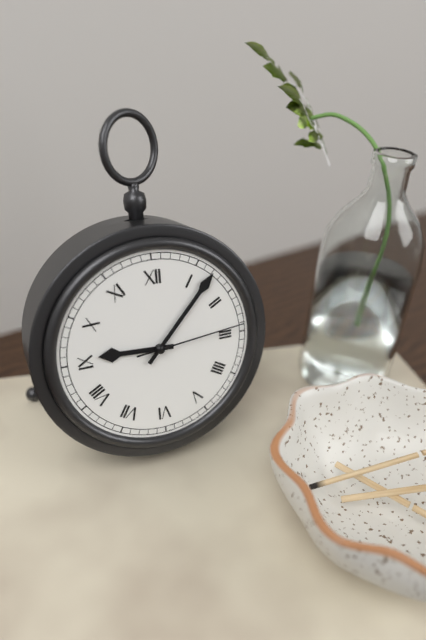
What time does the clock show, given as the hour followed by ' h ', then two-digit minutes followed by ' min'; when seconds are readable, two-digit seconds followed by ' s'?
9 h 07 min 14 s
